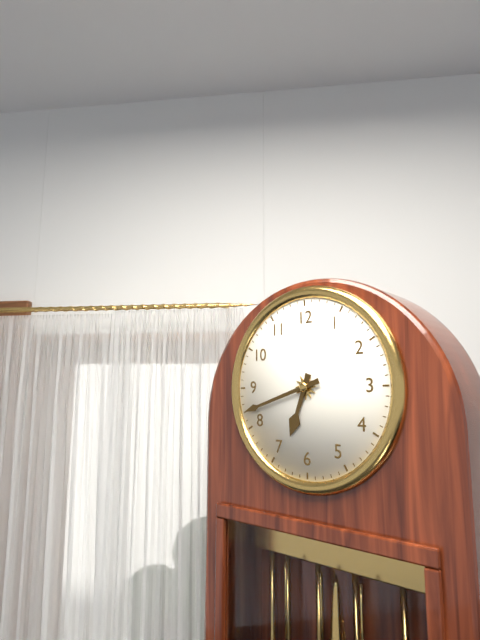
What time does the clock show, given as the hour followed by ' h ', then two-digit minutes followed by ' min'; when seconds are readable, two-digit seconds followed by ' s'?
6 h 42 min
